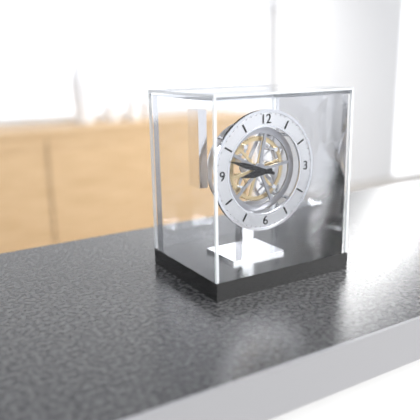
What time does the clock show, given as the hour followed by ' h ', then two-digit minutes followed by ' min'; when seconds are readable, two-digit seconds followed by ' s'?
8 h 48 min
